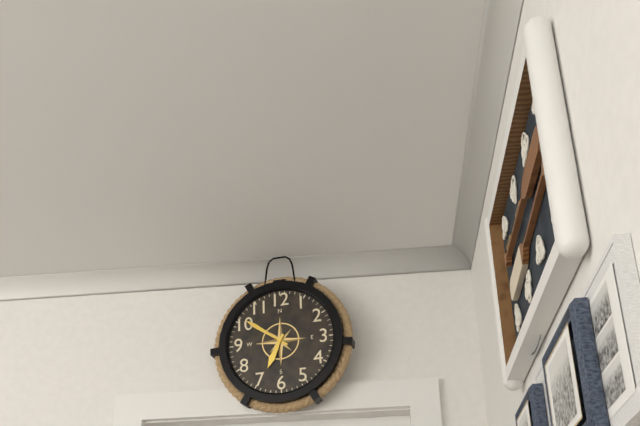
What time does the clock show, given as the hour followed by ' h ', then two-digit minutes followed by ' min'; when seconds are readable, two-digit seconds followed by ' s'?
6 h 51 min
